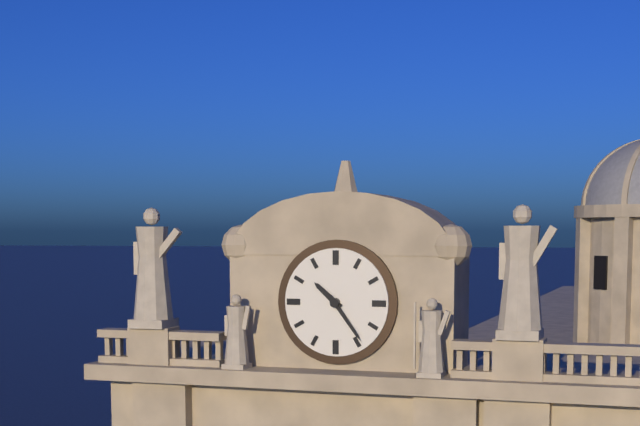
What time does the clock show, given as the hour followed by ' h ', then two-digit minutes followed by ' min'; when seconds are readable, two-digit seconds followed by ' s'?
10 h 24 min
